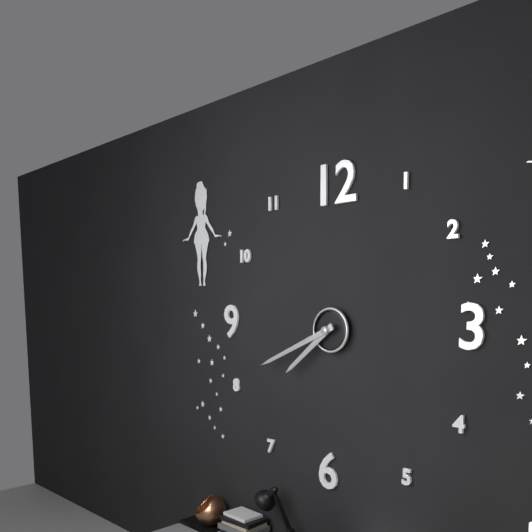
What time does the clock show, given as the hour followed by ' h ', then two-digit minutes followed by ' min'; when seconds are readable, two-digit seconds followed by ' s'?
7 h 41 min
